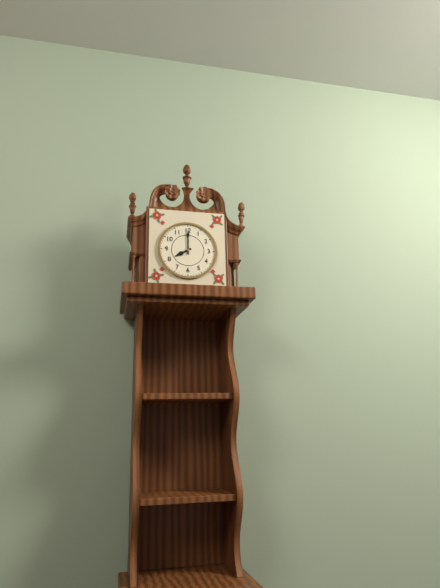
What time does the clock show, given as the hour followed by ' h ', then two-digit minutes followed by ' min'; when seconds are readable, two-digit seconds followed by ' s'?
8 h 00 min
